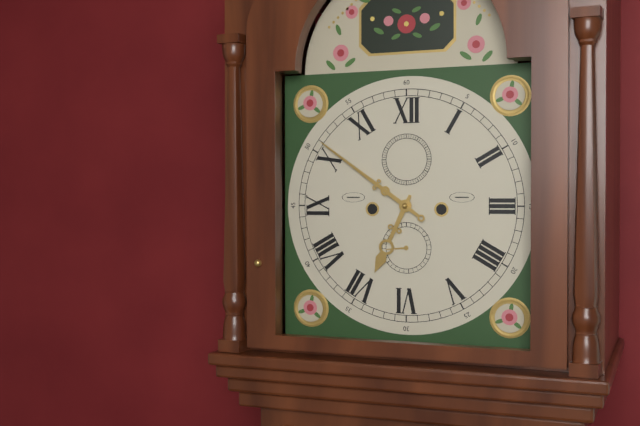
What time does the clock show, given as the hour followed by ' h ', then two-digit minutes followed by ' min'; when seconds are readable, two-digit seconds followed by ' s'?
6 h 51 min
